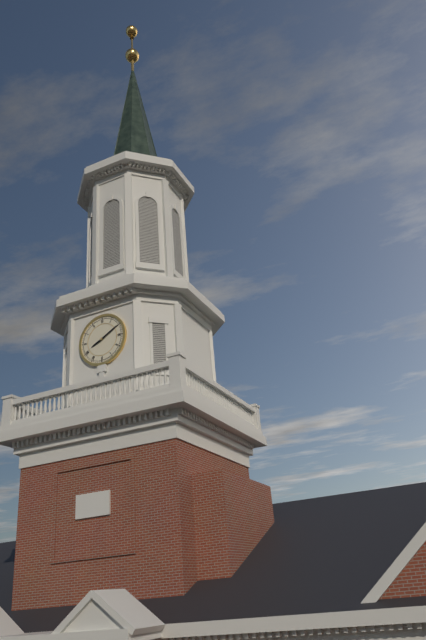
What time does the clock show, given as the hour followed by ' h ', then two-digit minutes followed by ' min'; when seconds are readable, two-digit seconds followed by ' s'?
8 h 10 min
